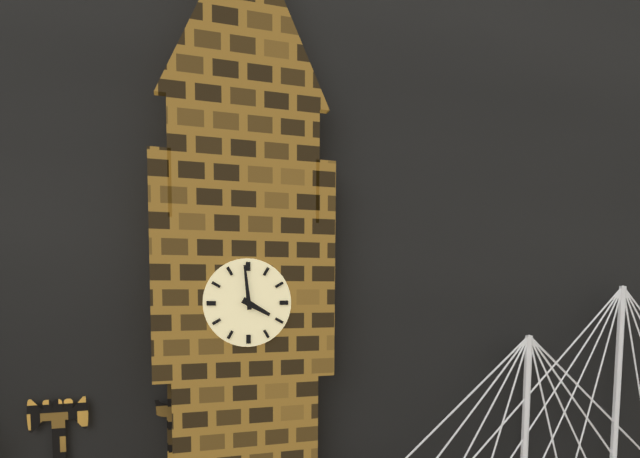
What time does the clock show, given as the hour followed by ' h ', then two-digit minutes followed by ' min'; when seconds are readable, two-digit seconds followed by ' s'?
3 h 59 min
